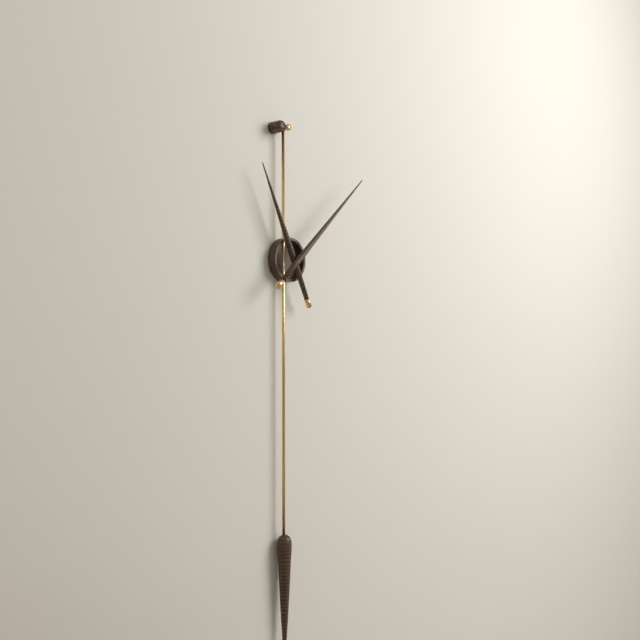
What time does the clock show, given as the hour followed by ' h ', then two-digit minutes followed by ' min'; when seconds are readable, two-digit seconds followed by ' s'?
11 h 08 min
